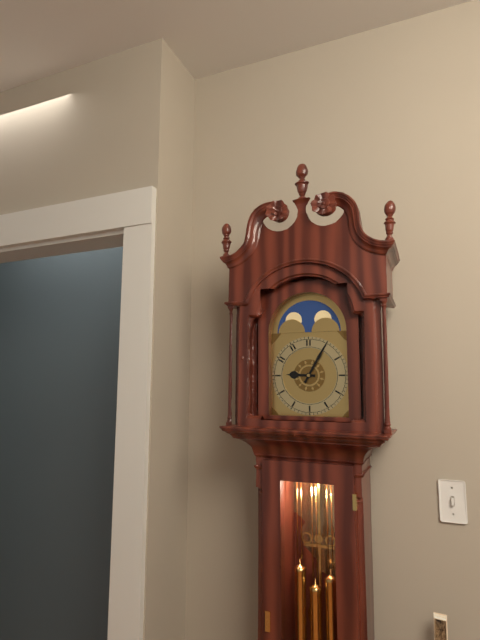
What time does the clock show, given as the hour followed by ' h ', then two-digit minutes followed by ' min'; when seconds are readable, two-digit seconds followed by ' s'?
9 h 05 min
